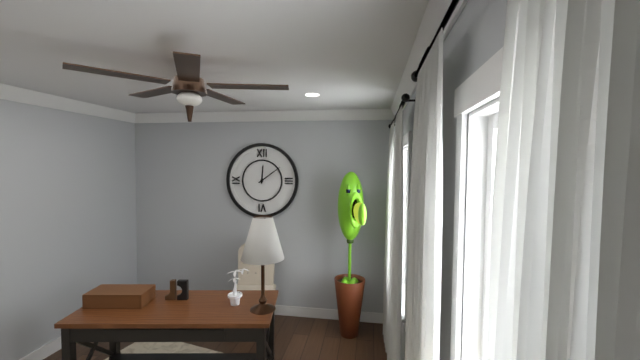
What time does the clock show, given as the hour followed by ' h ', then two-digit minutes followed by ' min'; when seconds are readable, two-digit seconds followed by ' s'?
12 h 09 min
